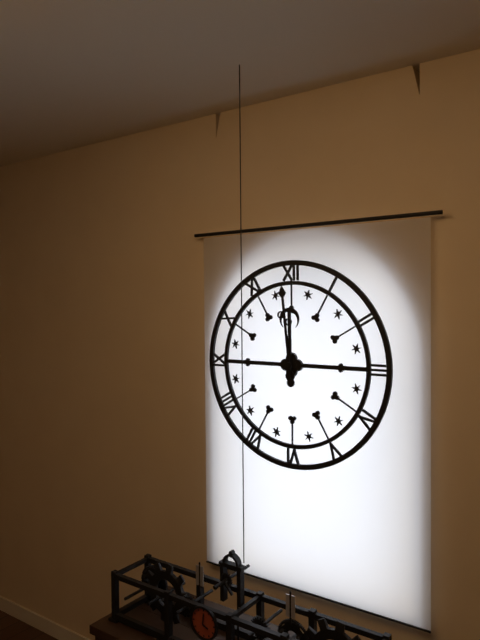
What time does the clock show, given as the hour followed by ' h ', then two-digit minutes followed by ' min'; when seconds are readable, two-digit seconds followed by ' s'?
11 h 59 min
